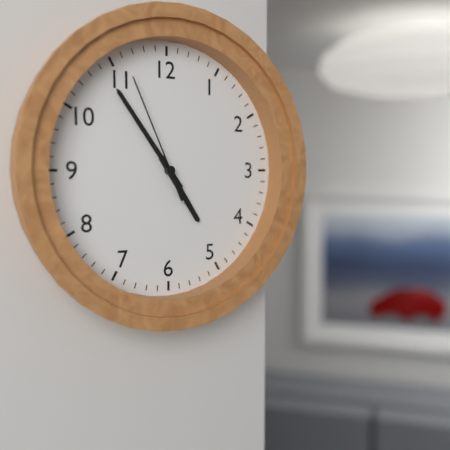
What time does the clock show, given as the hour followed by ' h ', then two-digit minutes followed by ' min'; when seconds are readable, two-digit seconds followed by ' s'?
4 h 54 min 56 s
